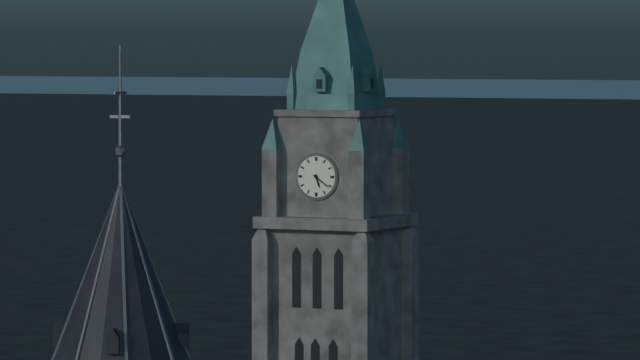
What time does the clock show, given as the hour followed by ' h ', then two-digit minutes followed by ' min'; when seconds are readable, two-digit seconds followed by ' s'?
5 h 21 min
